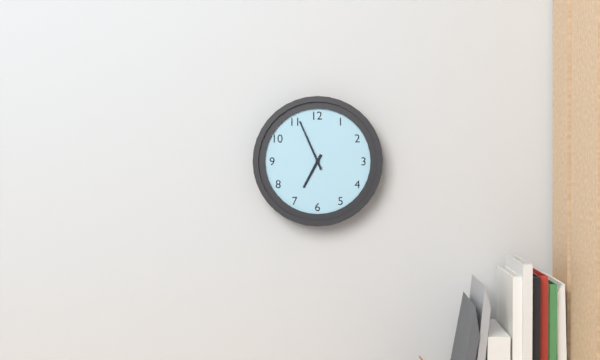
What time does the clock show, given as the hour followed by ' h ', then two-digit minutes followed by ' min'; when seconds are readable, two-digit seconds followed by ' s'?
6 h 56 min
